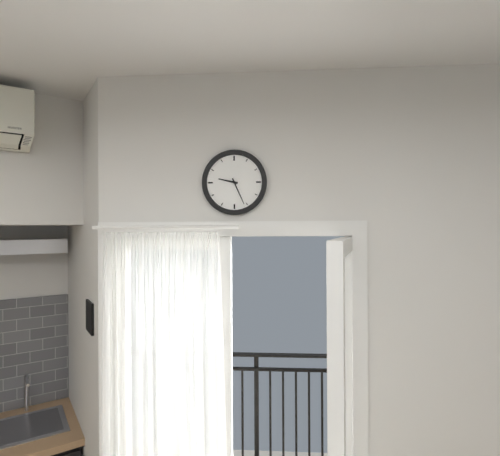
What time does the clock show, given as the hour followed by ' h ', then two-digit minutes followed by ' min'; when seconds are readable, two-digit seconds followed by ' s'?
9 h 26 min
